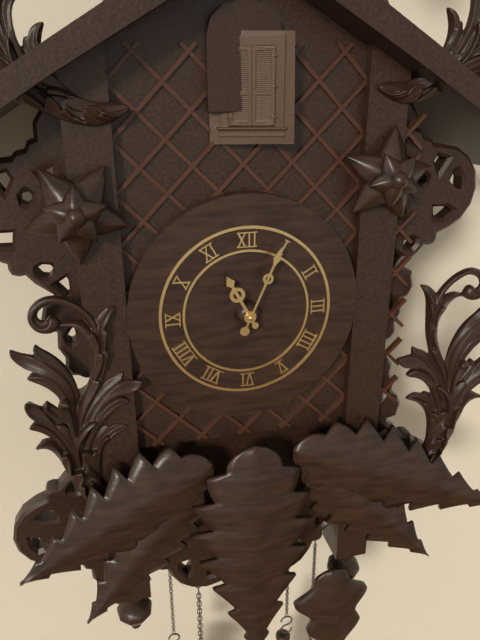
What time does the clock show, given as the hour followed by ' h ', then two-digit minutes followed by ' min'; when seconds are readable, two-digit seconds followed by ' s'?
11 h 04 min
